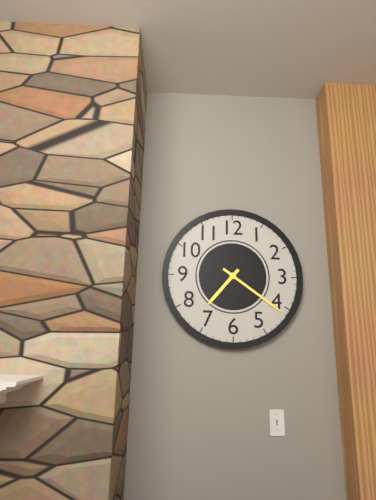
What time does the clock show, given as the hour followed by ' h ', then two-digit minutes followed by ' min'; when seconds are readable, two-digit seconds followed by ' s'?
7 h 21 min
